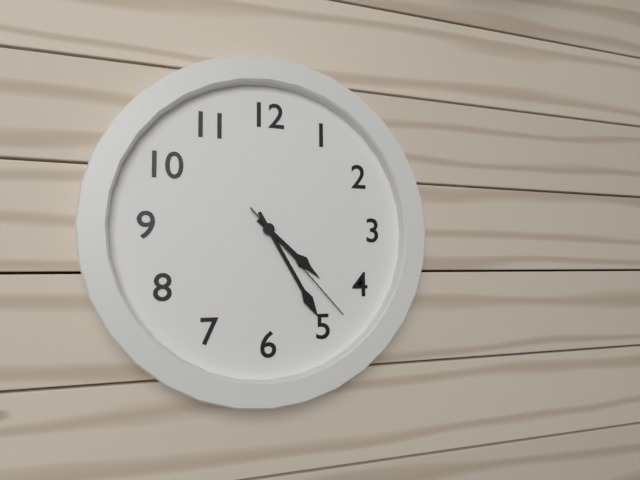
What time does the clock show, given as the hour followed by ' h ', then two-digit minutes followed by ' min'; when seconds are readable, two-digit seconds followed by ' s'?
4 h 25 min 23 s
